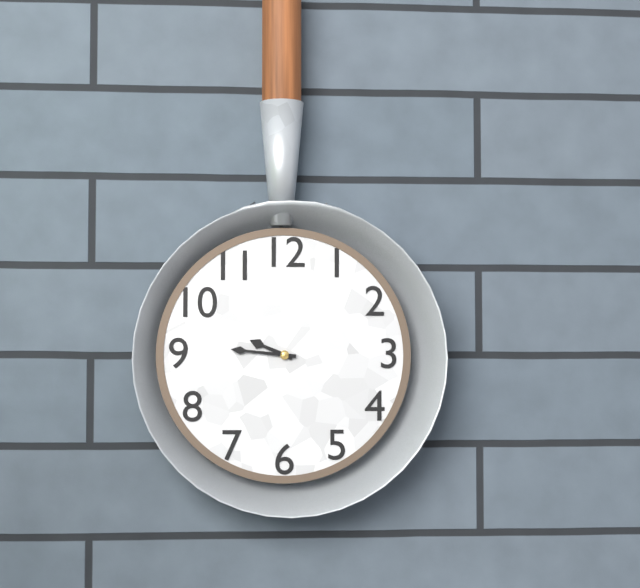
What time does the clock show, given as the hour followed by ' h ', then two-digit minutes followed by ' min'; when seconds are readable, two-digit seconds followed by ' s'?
9 h 46 min
